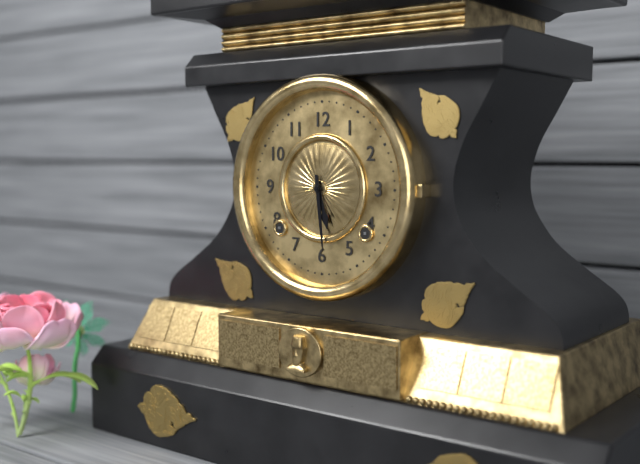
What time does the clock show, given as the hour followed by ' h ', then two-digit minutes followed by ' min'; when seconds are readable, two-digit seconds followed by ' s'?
5 h 29 min
